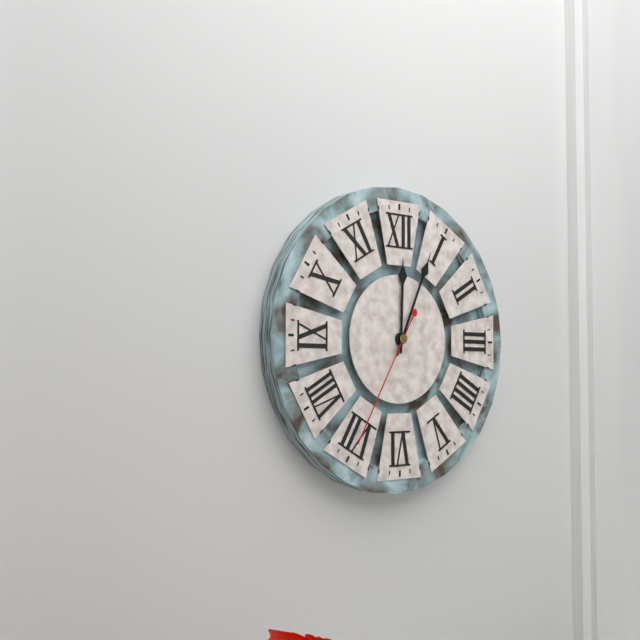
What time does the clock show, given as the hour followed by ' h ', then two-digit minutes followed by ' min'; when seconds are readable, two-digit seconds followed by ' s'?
12 h 04 min 35 s
